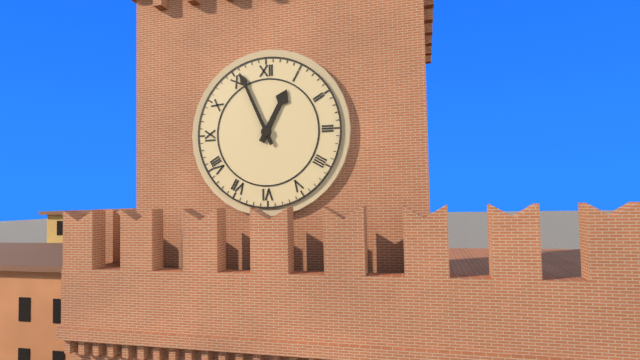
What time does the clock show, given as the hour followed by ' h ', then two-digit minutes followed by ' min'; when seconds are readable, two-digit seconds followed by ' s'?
12 h 56 min
